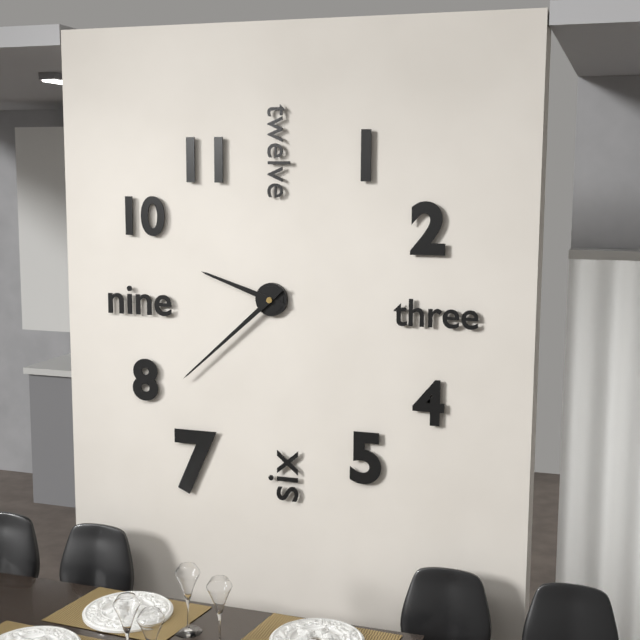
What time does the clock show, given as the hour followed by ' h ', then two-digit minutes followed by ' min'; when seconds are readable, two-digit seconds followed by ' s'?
9 h 38 min
